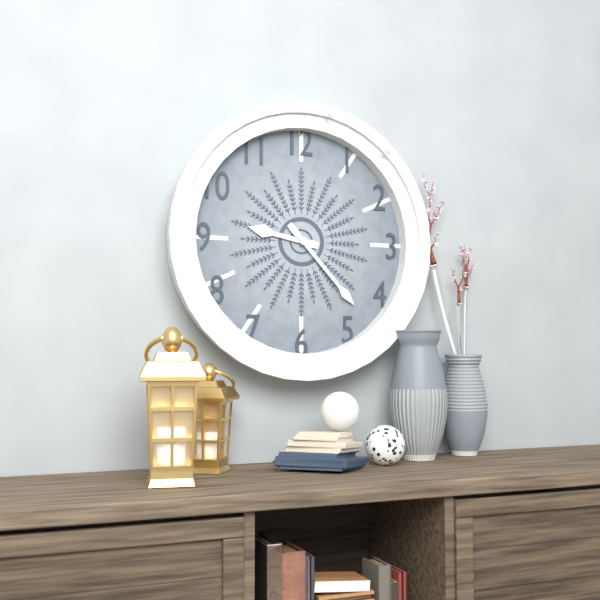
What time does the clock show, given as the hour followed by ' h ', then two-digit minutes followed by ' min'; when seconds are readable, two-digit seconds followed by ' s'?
9 h 23 min
